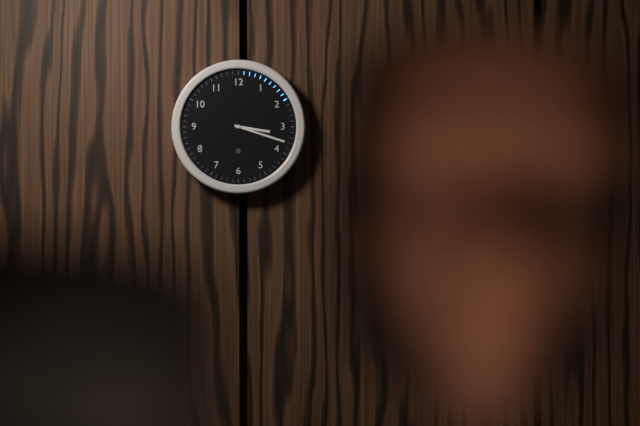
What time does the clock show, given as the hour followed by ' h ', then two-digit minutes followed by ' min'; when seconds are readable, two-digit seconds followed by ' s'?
3 h 18 min
